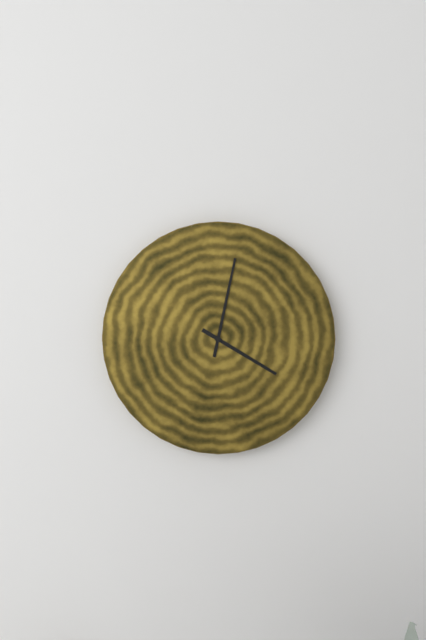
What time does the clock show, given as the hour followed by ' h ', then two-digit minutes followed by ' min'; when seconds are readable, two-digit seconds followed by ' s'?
4 h 02 min
